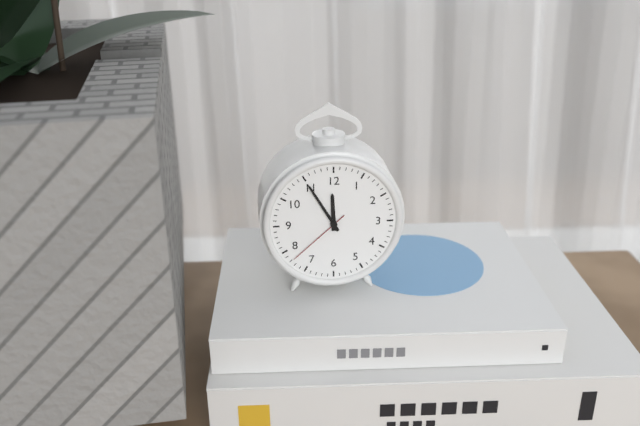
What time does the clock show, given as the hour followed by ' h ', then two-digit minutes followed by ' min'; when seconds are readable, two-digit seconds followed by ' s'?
11 h 55 min 38 s
